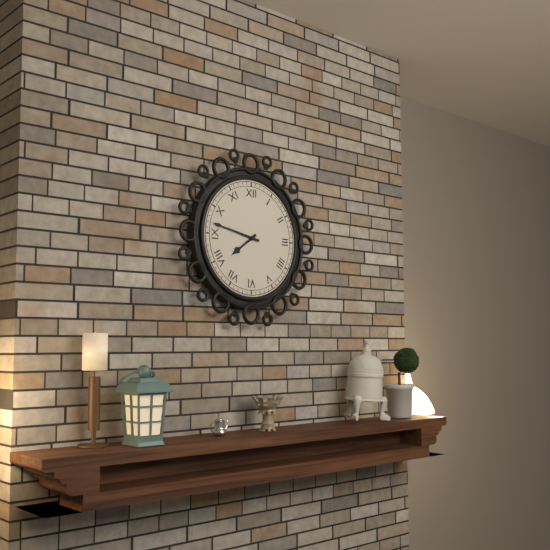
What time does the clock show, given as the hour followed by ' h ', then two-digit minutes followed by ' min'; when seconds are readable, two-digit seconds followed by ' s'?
7 h 47 min
